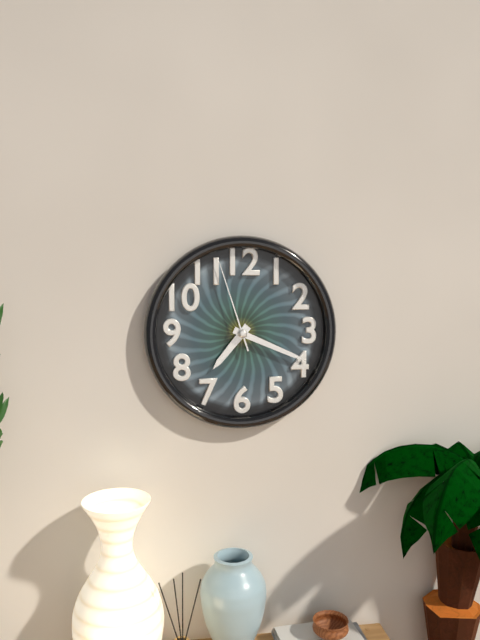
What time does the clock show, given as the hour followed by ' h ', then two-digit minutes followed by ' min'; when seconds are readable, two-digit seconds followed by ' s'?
7 h 19 min 57 s
